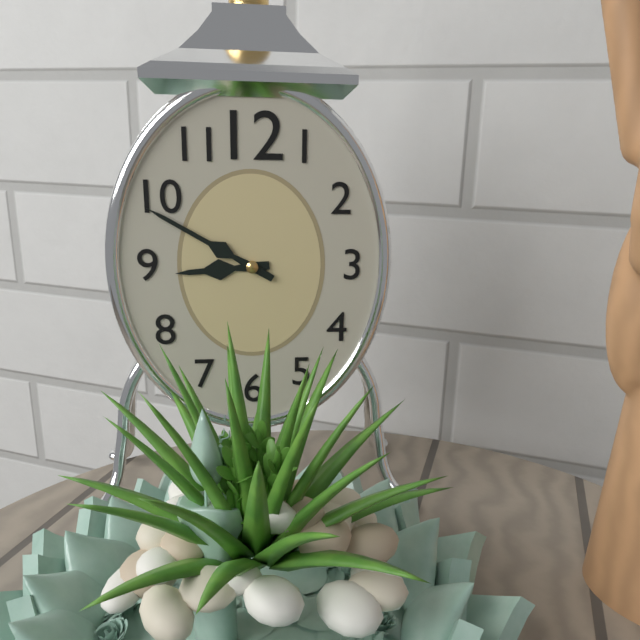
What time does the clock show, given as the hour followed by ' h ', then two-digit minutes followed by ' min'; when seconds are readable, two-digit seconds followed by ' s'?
8 h 50 min
